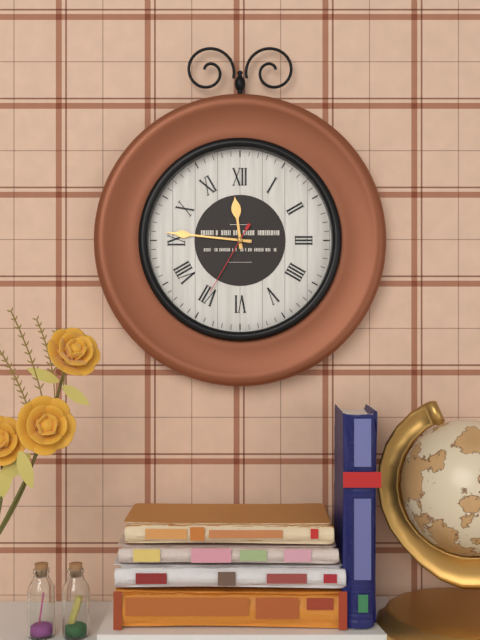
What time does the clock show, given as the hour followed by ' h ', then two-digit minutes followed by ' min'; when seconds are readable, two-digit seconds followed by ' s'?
11 h 46 min 35 s
